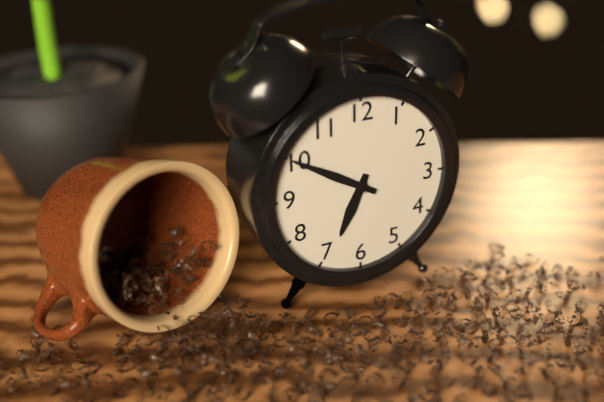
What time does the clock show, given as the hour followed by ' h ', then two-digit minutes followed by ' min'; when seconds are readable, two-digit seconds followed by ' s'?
6 h 50 min
